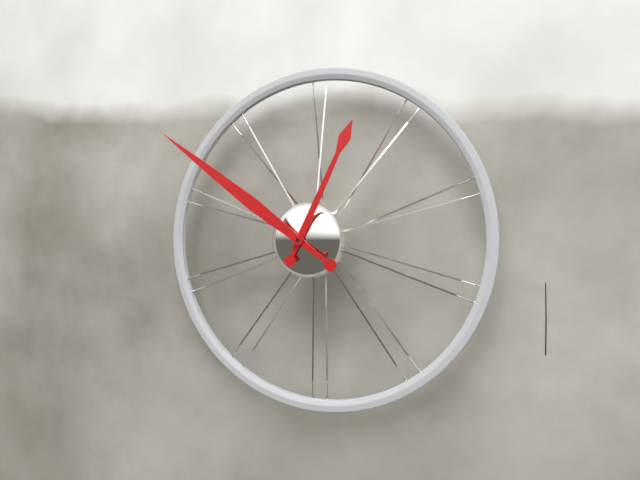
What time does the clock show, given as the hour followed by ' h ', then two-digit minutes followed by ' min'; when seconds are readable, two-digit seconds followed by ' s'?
12 h 51 min
